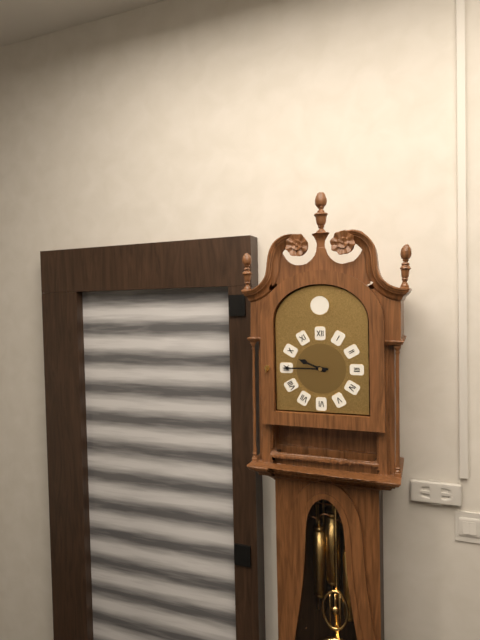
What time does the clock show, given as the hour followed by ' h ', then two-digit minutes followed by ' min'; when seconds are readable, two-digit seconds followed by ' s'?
9 h 45 min
